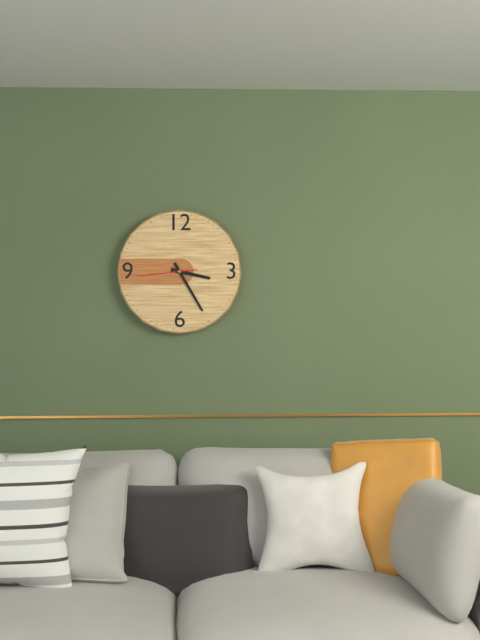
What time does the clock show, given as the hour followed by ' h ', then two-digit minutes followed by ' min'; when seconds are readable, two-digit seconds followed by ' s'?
3 h 25 min 44 s
